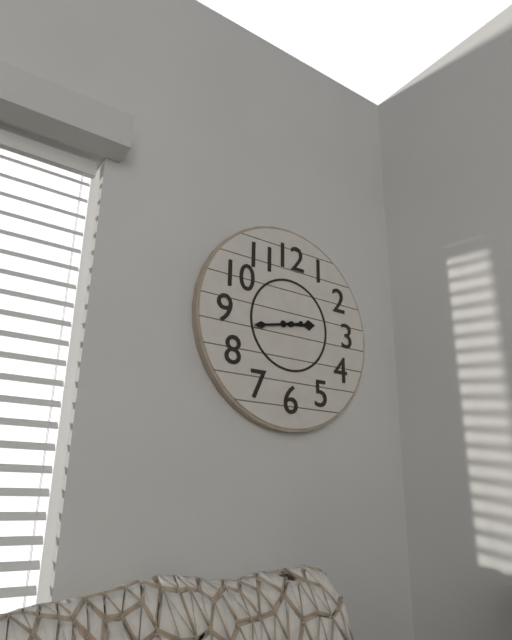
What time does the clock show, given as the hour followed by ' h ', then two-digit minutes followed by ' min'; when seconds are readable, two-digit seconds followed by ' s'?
2 h 43 min
